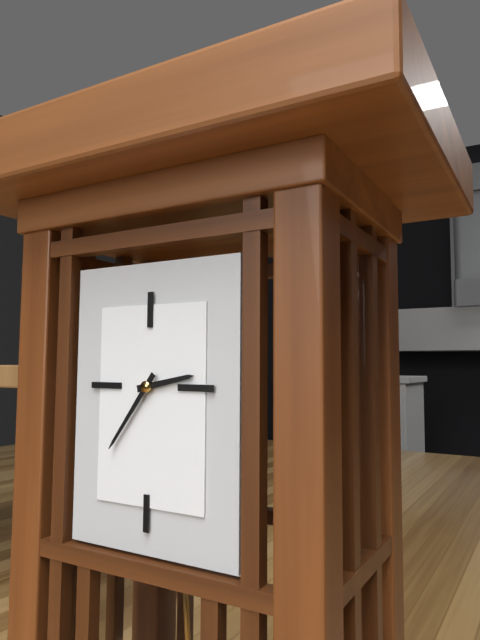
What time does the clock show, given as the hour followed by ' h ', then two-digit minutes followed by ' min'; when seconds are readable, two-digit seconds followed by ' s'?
2 h 36 min
